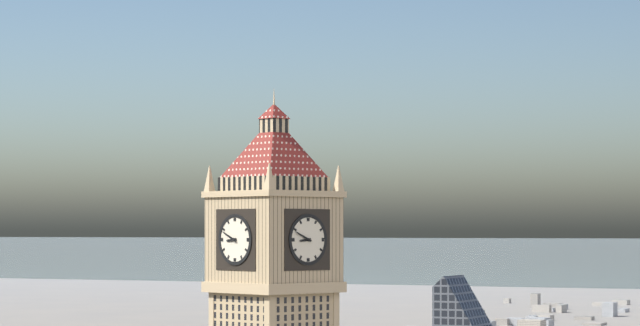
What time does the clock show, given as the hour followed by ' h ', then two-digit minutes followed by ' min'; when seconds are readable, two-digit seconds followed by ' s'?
8 h 49 min
